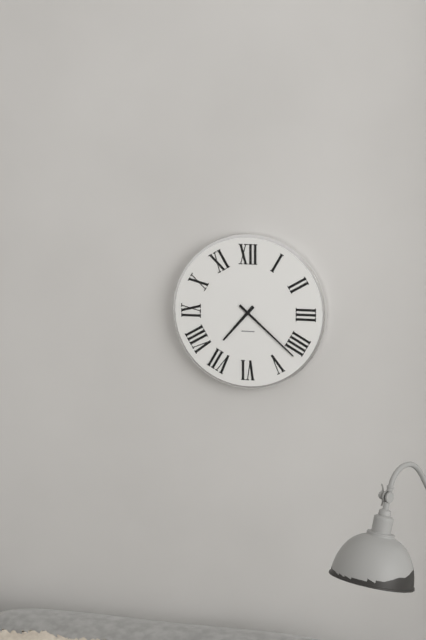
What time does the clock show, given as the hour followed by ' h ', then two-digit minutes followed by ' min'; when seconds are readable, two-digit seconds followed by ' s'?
7 h 22 min
